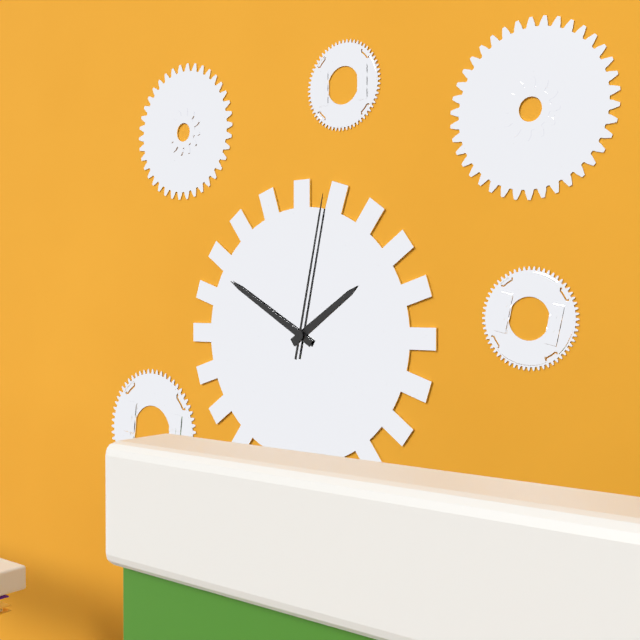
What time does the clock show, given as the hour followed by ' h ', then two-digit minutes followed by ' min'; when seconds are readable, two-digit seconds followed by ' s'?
1 h 50 min 02 s
